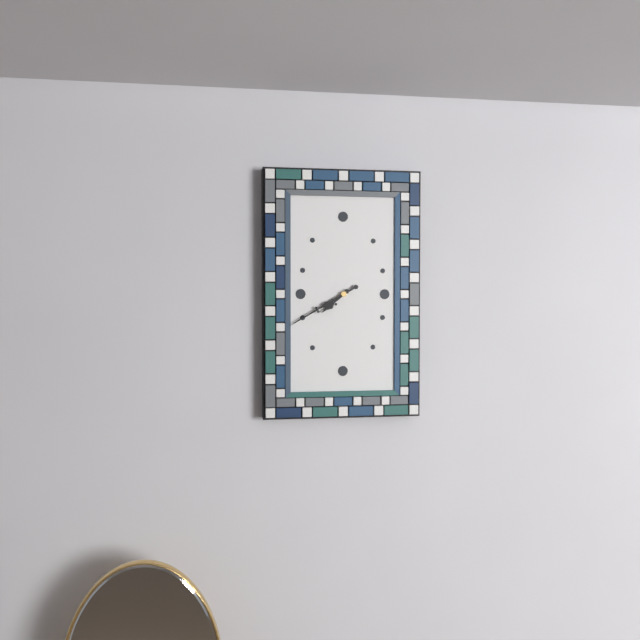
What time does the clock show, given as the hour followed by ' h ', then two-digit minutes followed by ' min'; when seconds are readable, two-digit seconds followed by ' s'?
7 h 40 min
